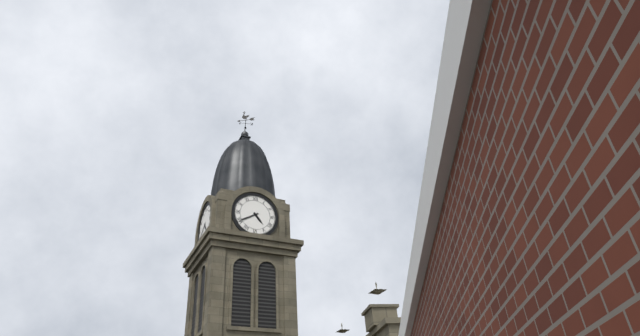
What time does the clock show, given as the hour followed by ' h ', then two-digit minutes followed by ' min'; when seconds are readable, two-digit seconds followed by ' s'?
4 h 40 min
